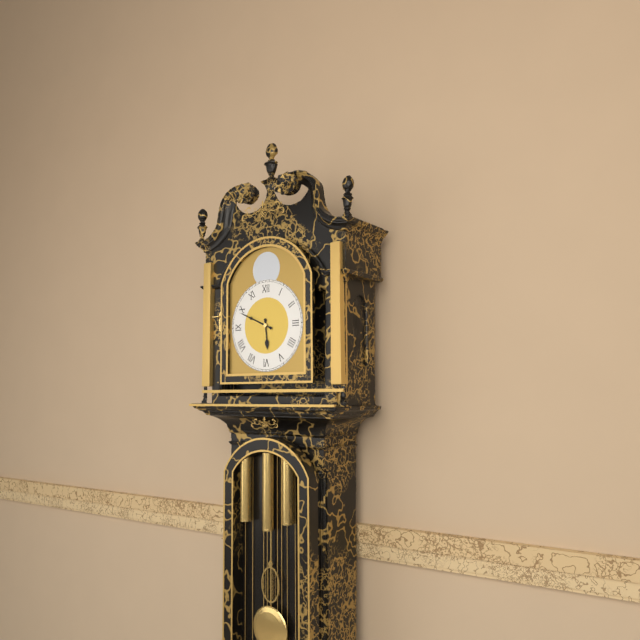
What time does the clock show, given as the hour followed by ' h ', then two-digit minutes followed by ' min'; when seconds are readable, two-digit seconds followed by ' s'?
5 h 49 min
